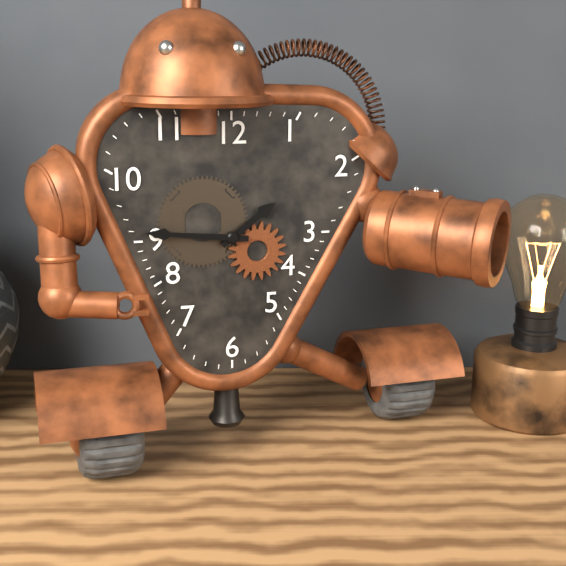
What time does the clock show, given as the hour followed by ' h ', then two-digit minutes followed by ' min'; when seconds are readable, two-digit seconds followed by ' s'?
1 h 46 min
